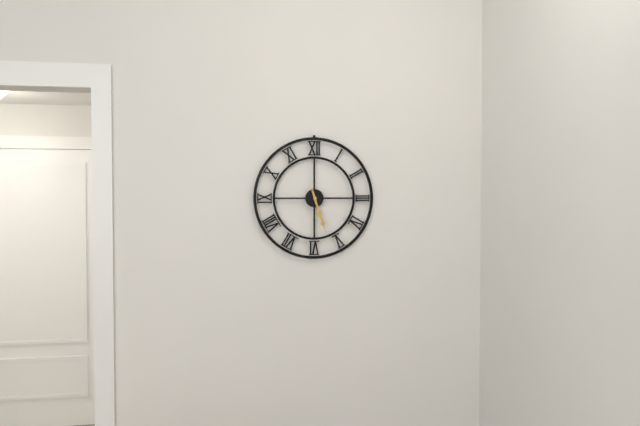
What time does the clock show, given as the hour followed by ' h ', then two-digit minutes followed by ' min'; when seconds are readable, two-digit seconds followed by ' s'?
5 h 27 min
